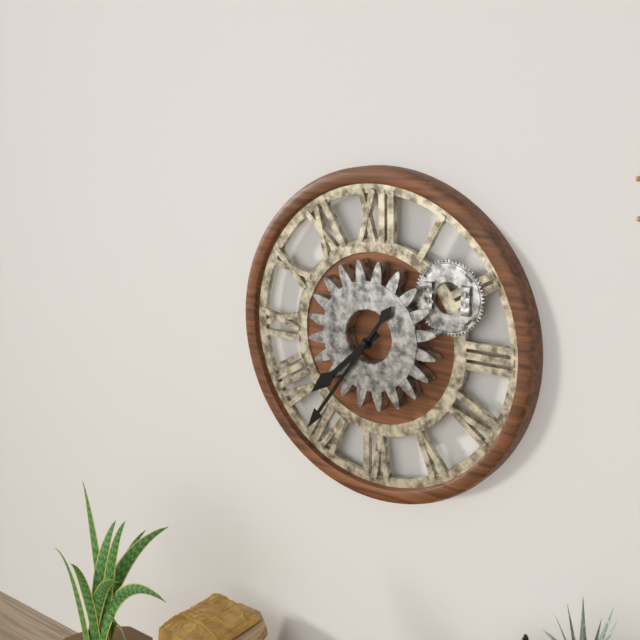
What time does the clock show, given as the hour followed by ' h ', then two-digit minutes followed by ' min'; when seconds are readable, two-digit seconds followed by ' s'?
7 h 36 min
